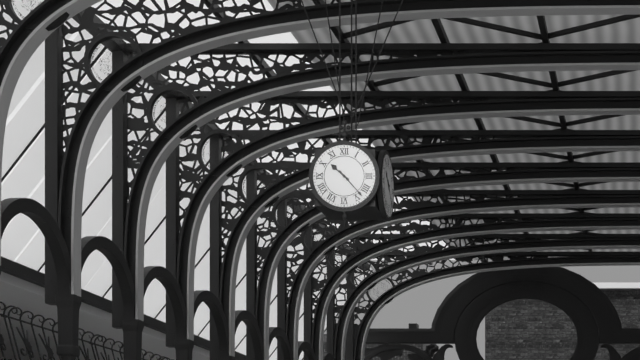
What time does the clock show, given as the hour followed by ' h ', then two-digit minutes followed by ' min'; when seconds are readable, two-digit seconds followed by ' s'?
10 h 23 min
